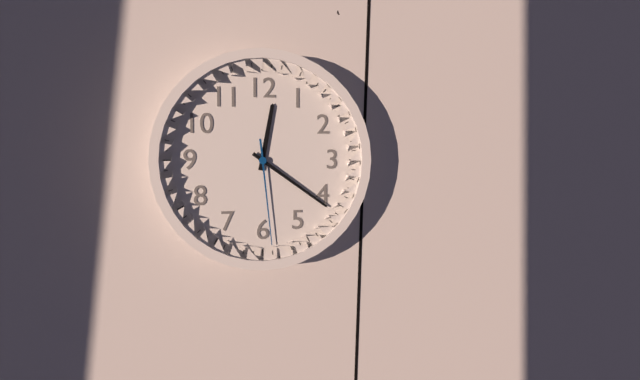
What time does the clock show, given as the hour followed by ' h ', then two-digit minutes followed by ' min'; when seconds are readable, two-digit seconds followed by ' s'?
12 h 21 min 29 s
